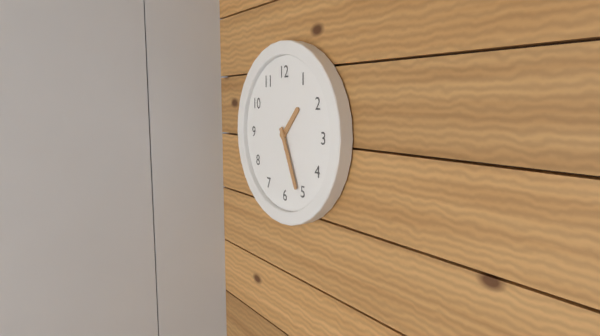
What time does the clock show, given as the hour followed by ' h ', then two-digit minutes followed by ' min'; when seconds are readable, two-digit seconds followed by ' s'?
1 h 26 min
